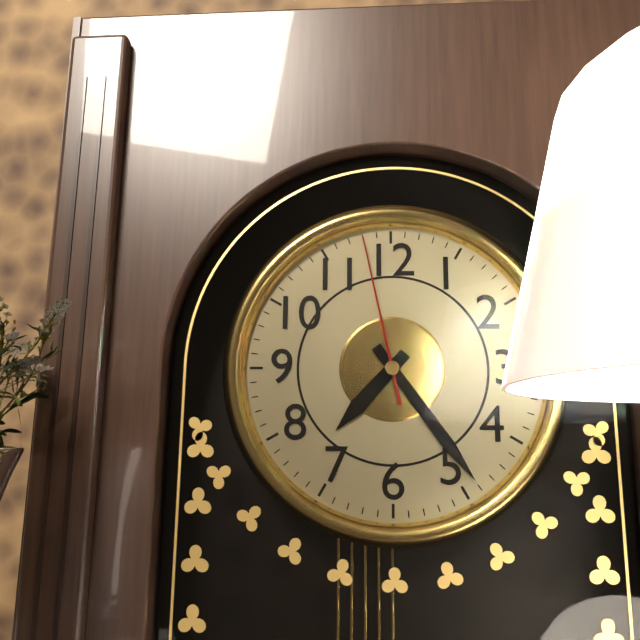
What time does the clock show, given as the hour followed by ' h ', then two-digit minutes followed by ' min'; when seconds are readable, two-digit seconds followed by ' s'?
7 h 24 min 58 s
